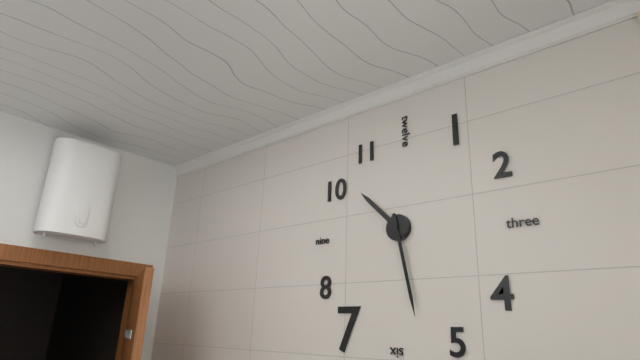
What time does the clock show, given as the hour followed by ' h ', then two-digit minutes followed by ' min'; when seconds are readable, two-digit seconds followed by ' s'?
10 h 28 min
